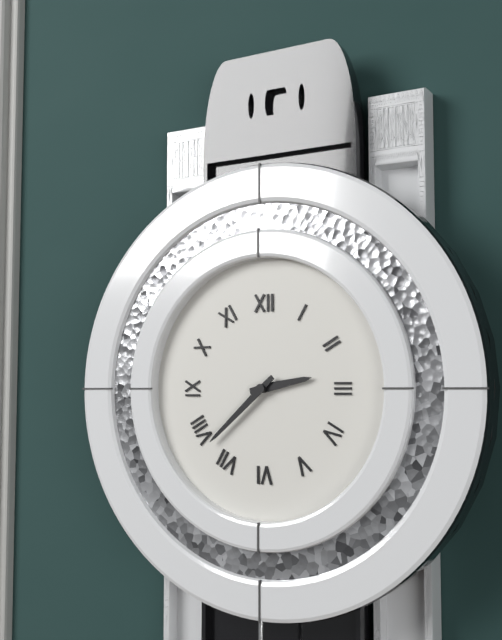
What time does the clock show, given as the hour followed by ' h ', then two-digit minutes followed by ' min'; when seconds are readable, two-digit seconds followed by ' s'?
2 h 38 min
